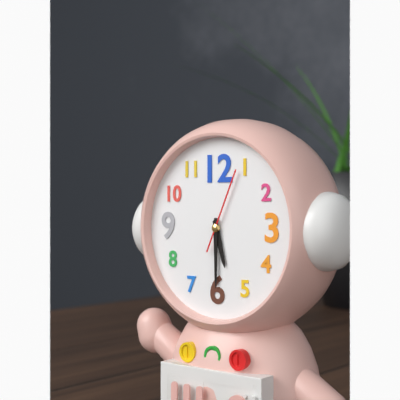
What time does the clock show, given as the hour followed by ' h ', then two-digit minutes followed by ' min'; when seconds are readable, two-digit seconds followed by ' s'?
5 h 30 min 04 s
